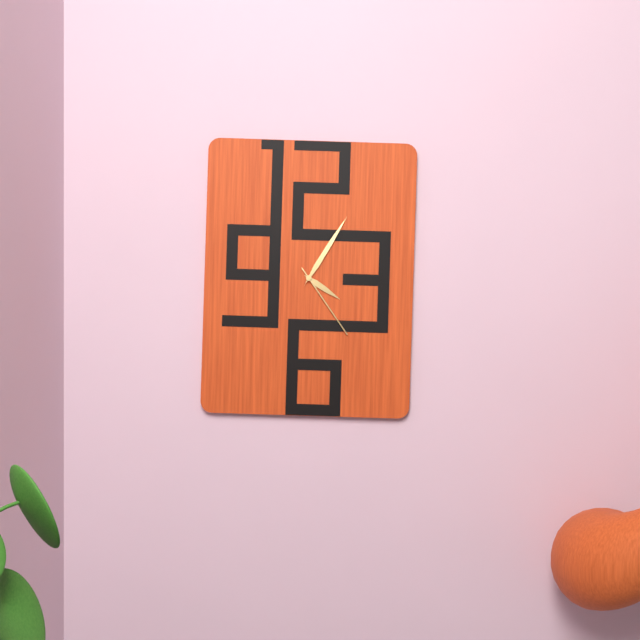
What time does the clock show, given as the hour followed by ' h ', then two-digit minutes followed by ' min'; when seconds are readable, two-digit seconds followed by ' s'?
4 h 05 min 24 s
